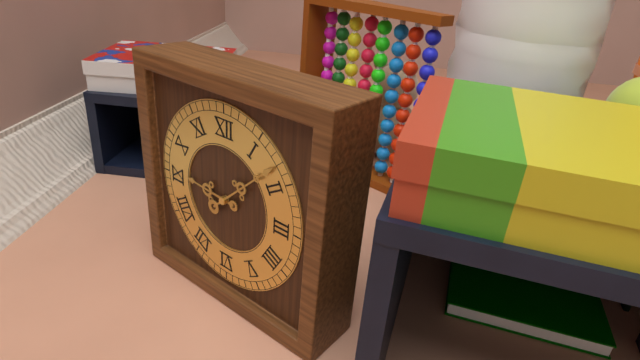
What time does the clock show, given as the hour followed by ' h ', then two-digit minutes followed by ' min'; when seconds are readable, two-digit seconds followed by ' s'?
9 h 08 min
